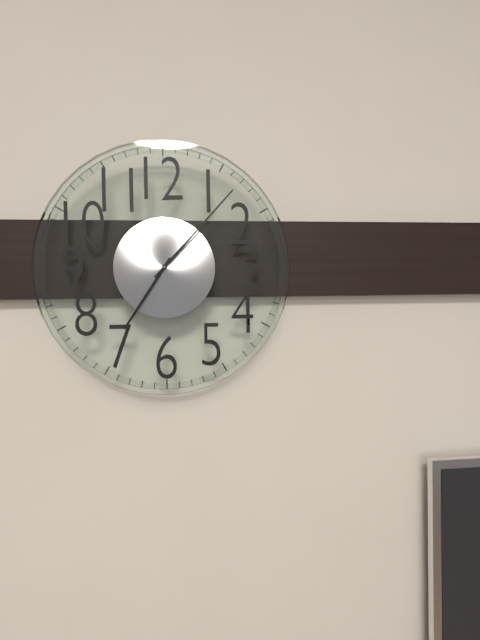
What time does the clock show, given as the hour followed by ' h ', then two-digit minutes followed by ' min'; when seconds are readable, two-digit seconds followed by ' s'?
7 h 07 min
